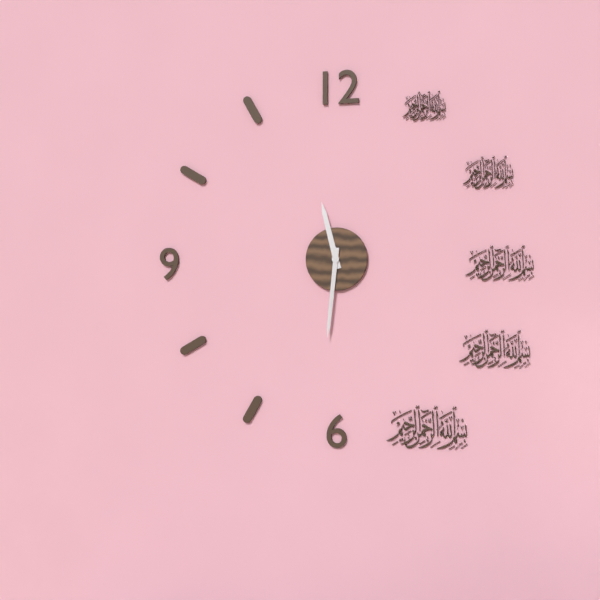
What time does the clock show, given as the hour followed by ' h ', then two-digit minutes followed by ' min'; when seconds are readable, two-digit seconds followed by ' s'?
11 h 31 min
